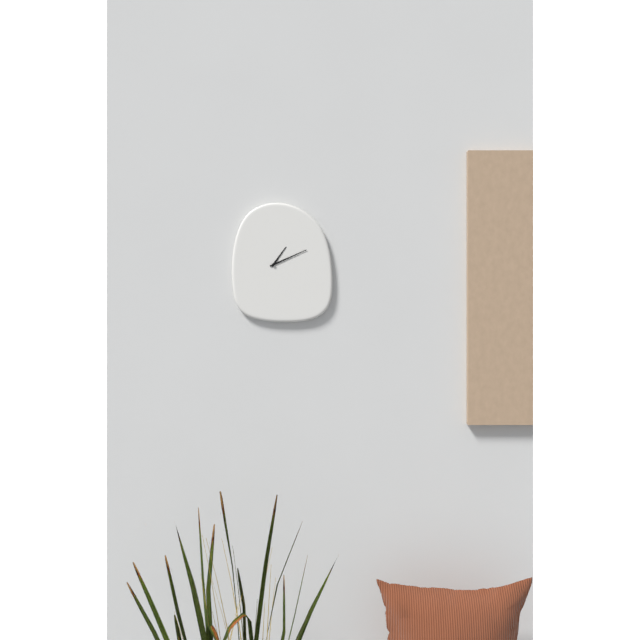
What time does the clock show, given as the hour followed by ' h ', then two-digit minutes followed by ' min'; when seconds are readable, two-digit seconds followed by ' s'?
1 h 11 min
